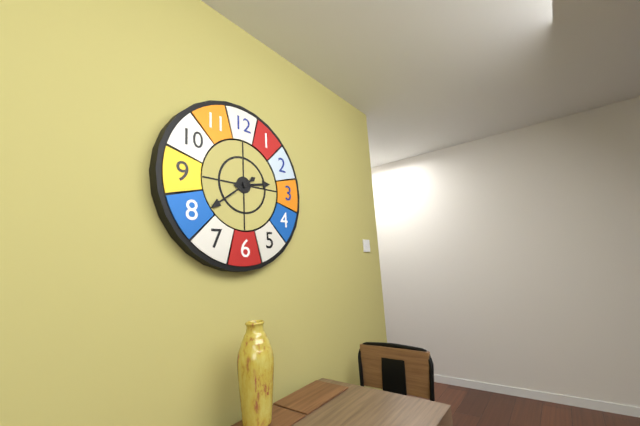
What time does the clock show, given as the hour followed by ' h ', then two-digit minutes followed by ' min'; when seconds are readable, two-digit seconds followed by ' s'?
2 h 39 min
